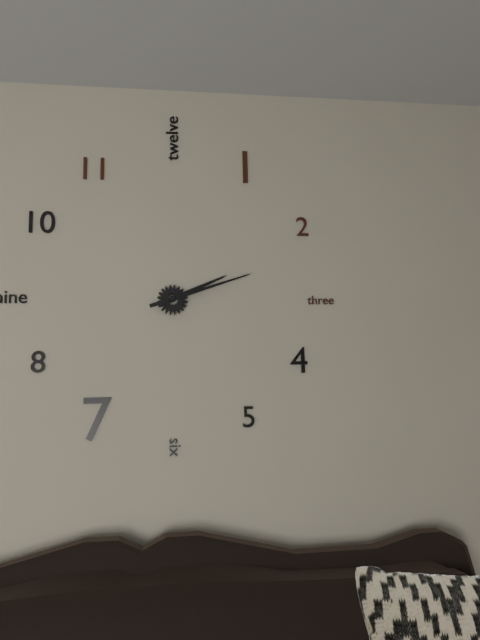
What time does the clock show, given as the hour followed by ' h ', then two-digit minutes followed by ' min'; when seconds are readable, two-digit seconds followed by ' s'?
2 h 12 min
